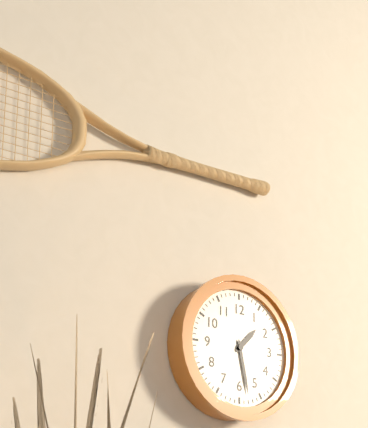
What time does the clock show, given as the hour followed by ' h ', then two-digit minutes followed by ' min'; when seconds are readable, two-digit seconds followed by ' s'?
1 h 28 min
